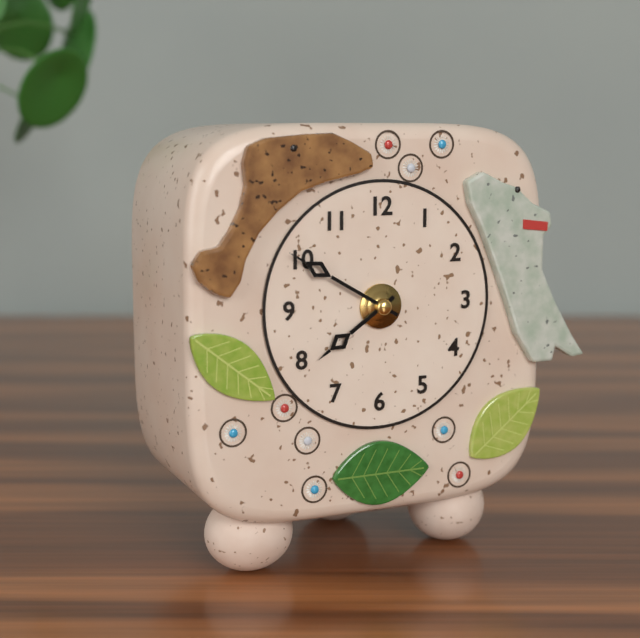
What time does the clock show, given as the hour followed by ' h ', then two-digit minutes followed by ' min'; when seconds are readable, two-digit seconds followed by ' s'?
7 h 50 min
